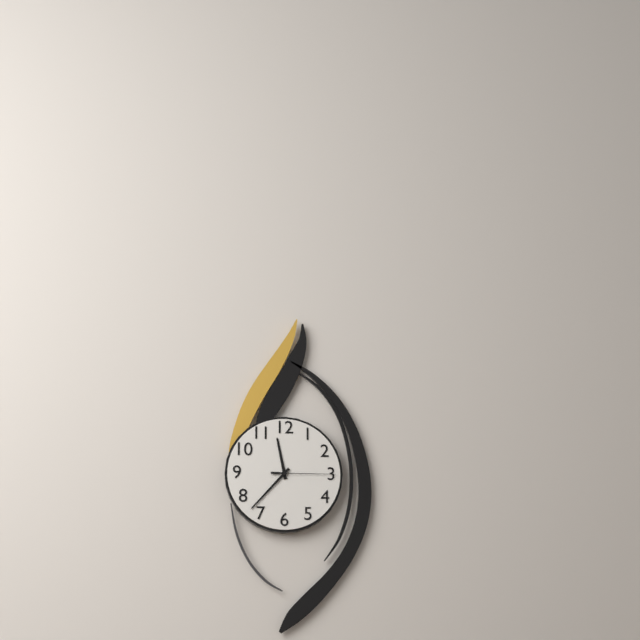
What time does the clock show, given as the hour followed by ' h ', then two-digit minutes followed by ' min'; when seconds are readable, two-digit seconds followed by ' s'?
11 h 37 min 15 s
